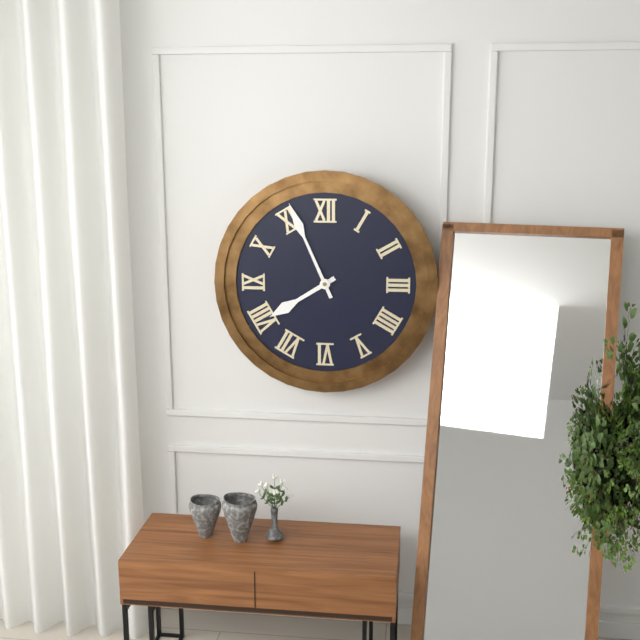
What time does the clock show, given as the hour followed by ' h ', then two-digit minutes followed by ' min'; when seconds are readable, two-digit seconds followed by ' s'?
7 h 56 min
